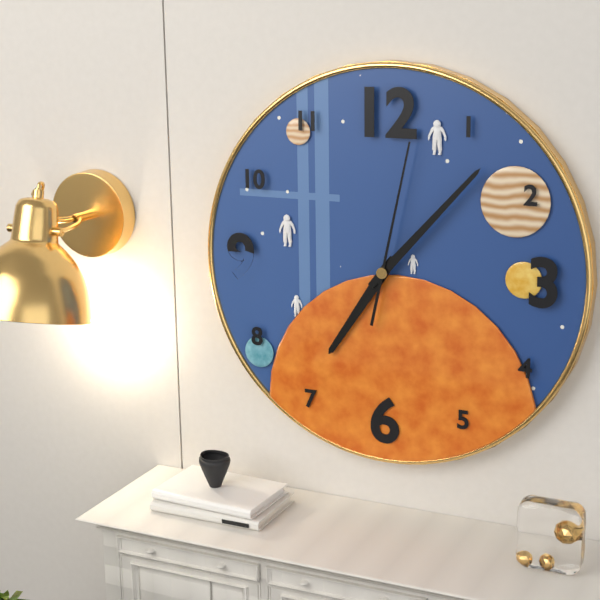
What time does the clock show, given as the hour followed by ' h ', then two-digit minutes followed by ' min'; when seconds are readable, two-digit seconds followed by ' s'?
7 h 07 min 02 s
